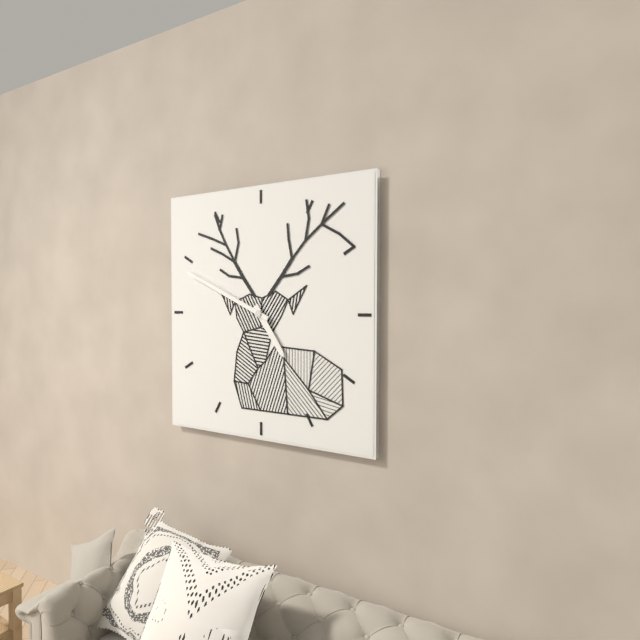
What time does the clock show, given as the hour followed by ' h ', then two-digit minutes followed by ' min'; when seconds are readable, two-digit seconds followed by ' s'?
4 h 49 min
